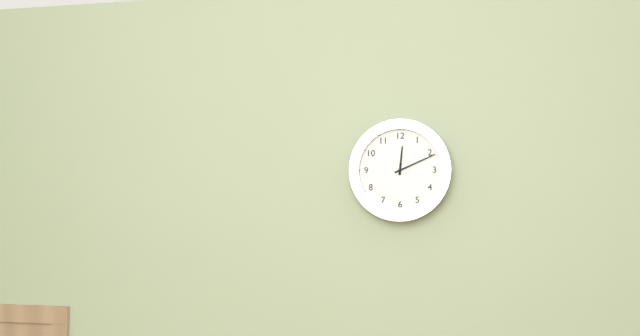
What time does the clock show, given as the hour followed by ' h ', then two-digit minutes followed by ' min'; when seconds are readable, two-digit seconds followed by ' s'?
12 h 11 min
